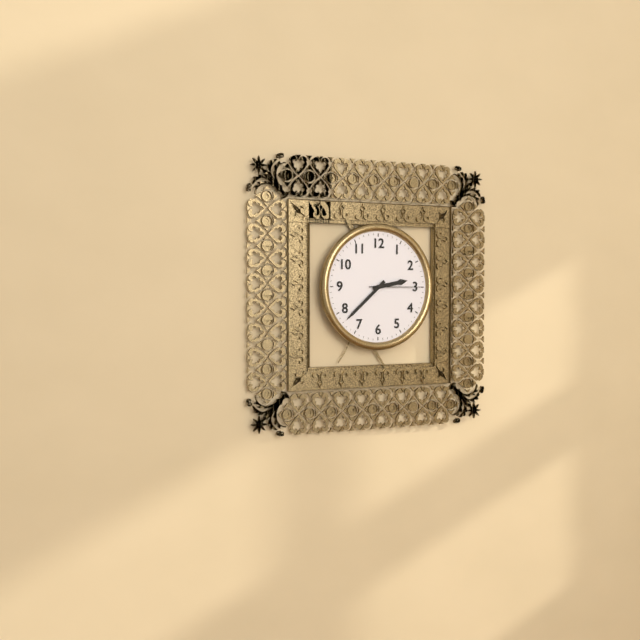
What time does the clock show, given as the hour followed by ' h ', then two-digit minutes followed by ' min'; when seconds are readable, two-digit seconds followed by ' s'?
2 h 38 min 15 s
